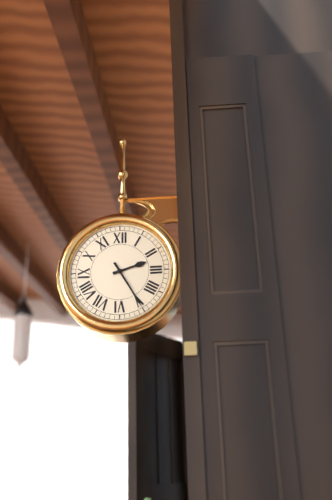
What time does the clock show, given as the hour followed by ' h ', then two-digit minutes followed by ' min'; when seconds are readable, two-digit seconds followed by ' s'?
2 h 25 min
